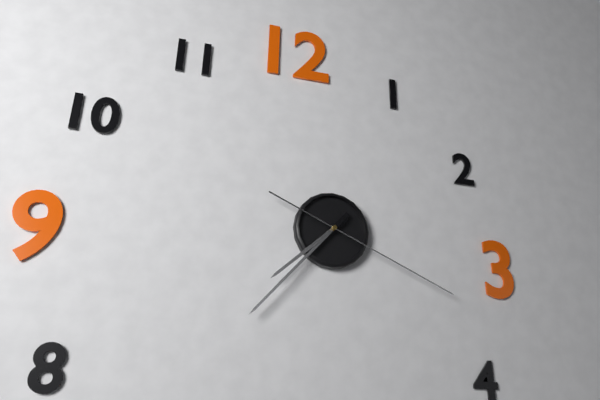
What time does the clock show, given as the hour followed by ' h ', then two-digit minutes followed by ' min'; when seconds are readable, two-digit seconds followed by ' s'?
7 h 37 min 19 s
